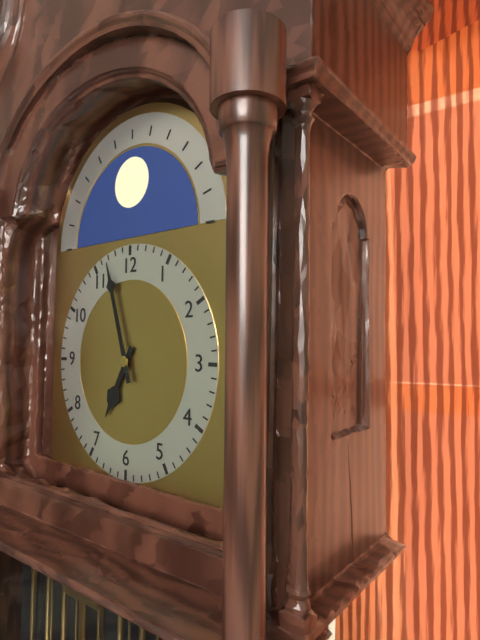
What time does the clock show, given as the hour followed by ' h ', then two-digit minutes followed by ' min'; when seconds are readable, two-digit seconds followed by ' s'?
6 h 57 min
